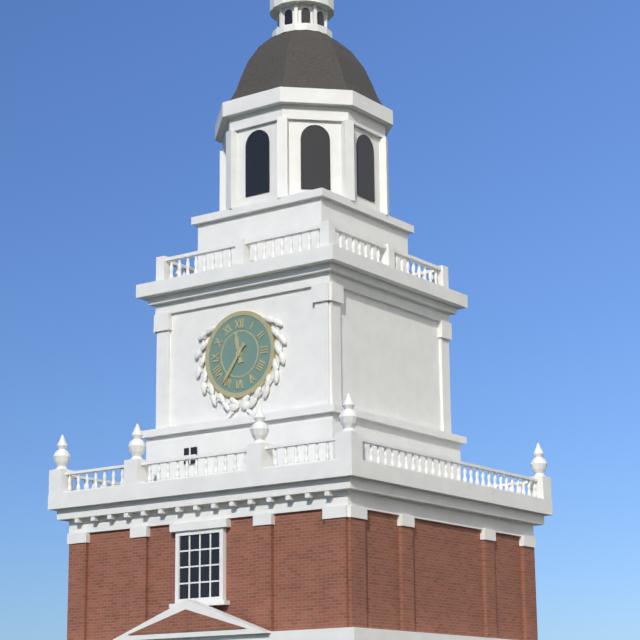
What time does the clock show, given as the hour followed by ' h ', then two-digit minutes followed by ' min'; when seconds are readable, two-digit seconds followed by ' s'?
11 h 36 min
